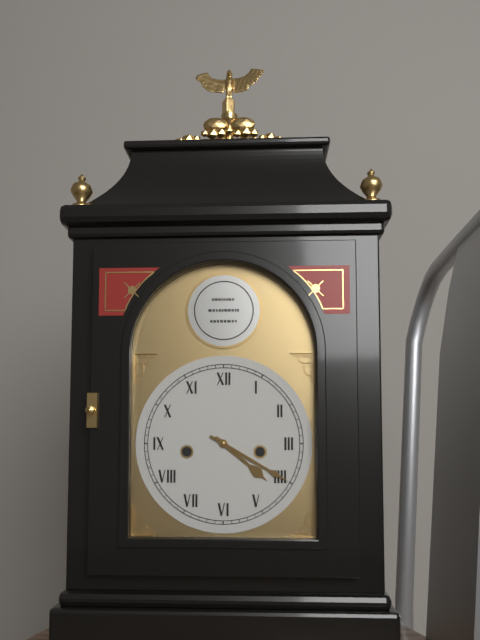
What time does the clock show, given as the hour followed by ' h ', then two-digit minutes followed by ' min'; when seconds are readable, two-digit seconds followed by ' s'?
4 h 20 min
